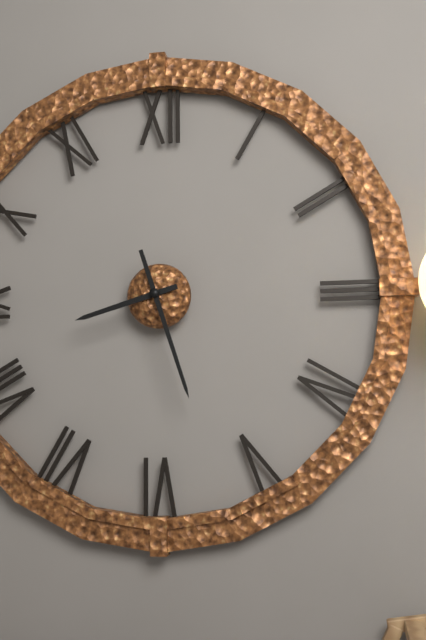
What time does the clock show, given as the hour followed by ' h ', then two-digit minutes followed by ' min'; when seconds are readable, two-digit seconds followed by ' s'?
8 h 27 min
